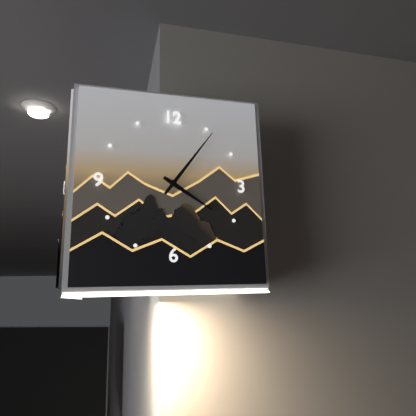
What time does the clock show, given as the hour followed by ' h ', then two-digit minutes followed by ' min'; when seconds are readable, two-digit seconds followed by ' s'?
4 h 06 min
